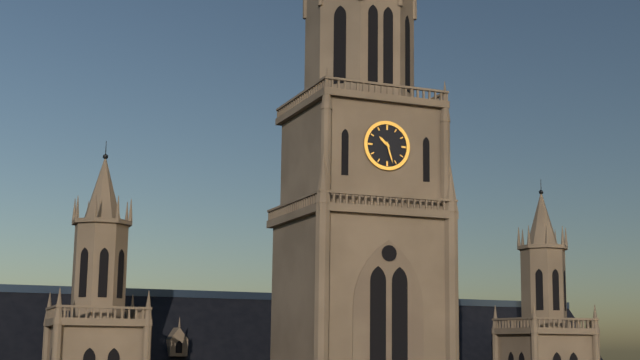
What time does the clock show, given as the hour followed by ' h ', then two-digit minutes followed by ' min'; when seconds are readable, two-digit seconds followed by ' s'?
10 h 27 min
